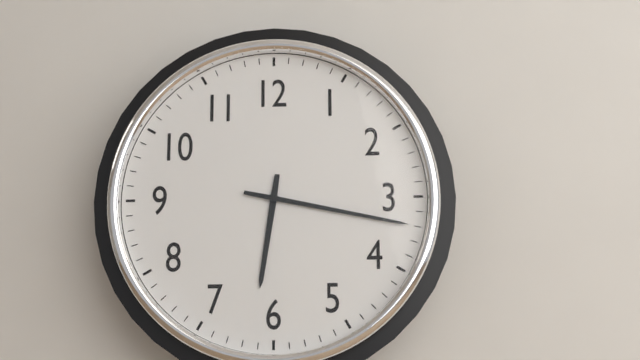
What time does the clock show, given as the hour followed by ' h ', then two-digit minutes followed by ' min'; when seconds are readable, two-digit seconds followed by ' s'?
6 h 17 min
